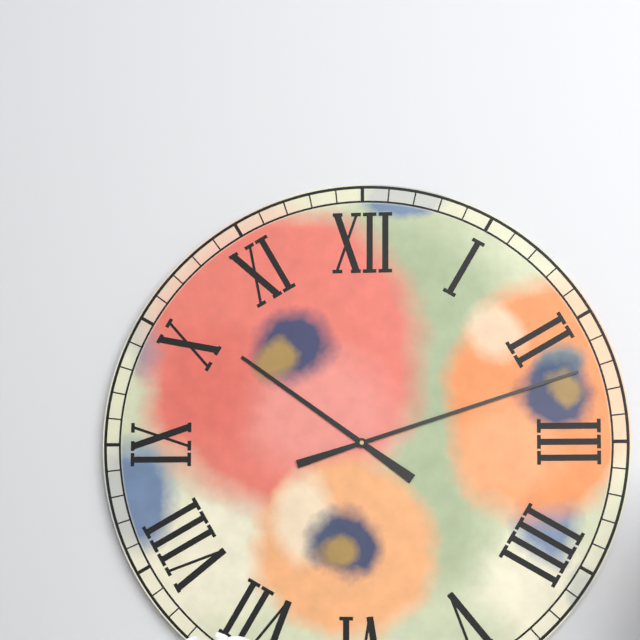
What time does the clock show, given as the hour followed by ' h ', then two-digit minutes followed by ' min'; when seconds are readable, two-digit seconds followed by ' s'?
10 h 12 min
